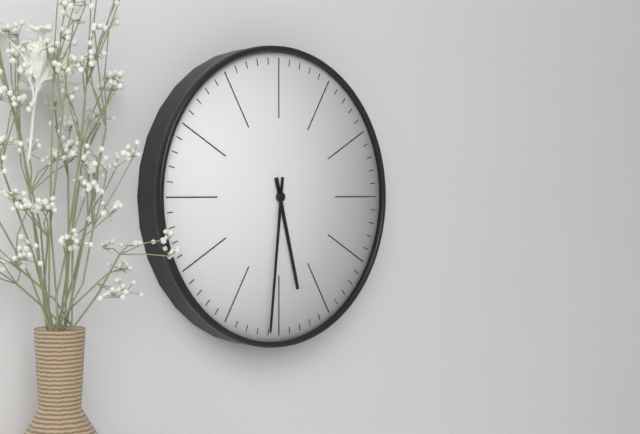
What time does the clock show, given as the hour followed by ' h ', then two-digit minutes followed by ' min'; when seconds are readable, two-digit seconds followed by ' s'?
5 h 31 min
